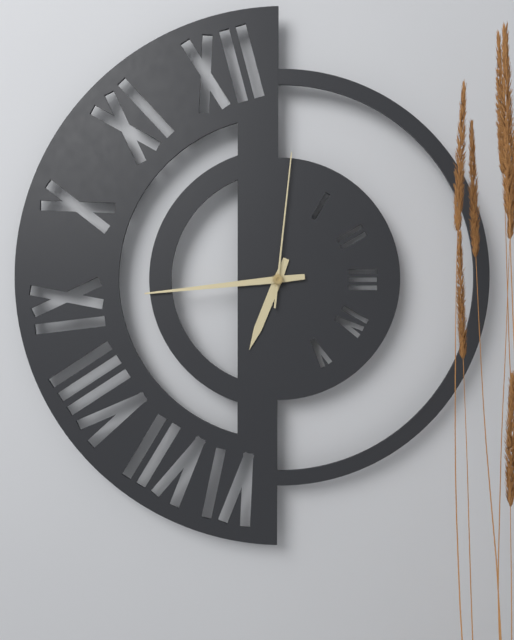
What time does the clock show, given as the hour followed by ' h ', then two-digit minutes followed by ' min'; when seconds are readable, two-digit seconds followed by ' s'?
6 h 44 min 01 s
